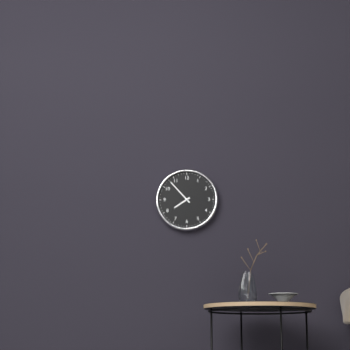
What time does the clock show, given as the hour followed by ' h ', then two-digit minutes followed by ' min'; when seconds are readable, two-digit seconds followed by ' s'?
7 h 53 min
